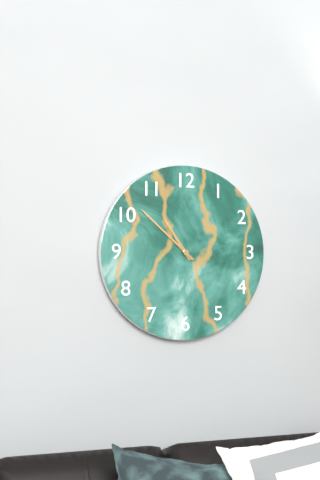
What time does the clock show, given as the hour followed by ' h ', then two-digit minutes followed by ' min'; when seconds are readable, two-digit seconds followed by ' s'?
10 h 52 min
